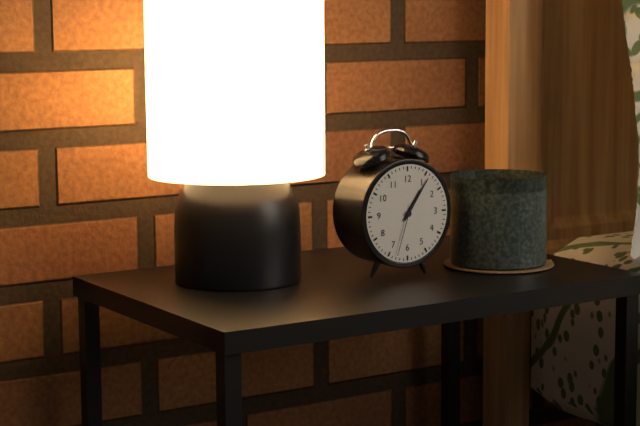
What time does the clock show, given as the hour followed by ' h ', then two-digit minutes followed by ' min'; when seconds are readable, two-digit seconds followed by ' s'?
1 h 06 min 33 s
